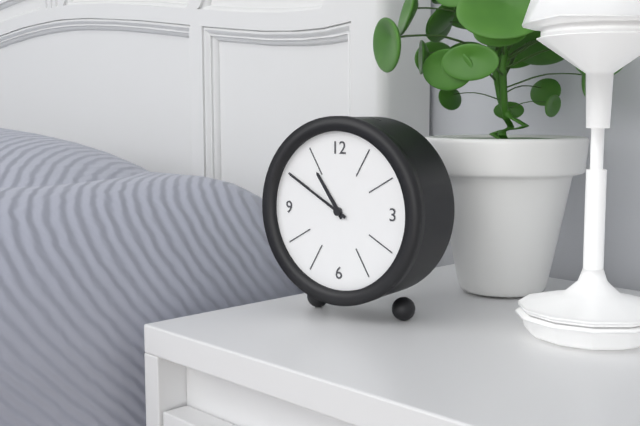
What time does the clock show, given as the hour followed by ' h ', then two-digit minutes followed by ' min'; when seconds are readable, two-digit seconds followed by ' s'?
10 h 50 min
